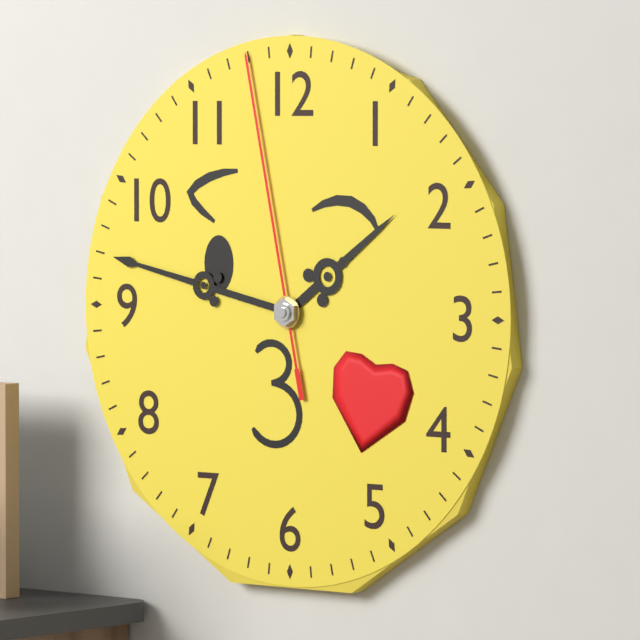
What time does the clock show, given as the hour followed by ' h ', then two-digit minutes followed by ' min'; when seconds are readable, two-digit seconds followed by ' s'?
1 h 47 min 58 s
